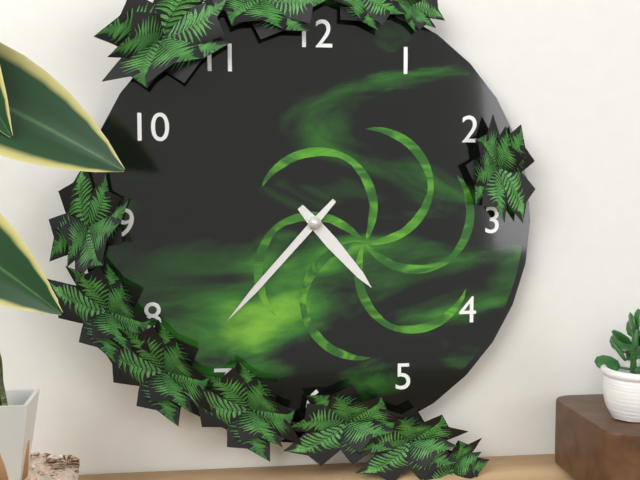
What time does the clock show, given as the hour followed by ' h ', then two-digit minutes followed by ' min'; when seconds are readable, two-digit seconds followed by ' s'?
4 h 37 min
